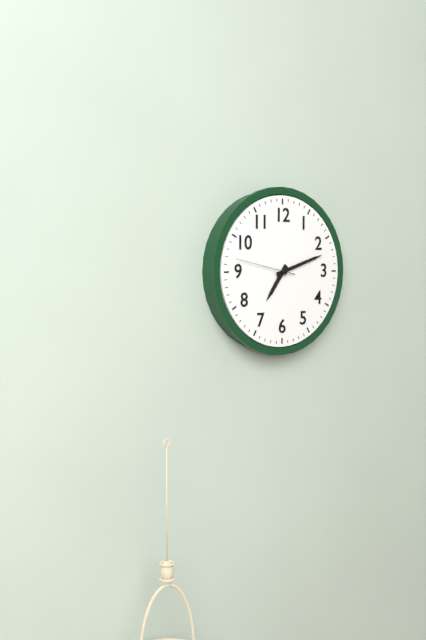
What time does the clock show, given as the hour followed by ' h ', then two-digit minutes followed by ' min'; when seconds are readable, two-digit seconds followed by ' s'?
7 h 12 min 47 s
